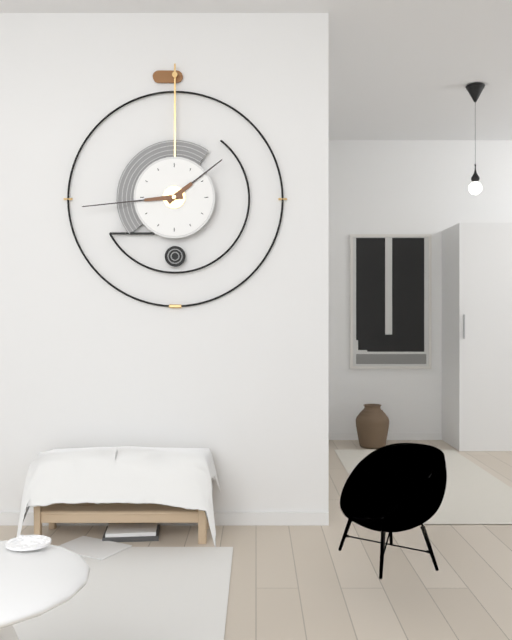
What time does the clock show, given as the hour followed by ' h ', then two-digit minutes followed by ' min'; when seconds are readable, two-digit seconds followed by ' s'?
1 h 44 min
